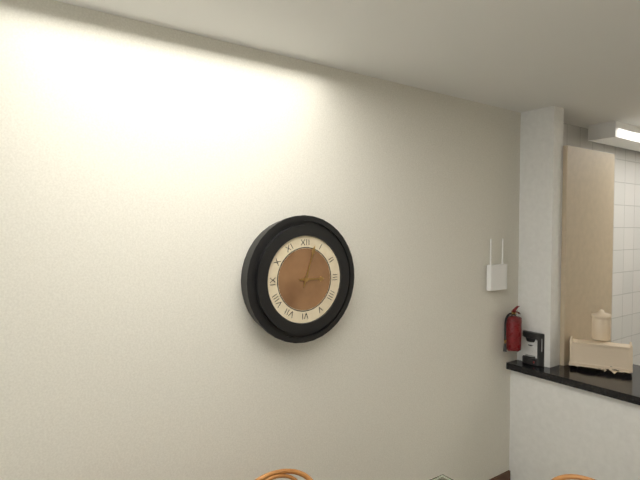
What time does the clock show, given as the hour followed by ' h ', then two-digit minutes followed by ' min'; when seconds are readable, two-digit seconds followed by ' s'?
3 h 03 min
